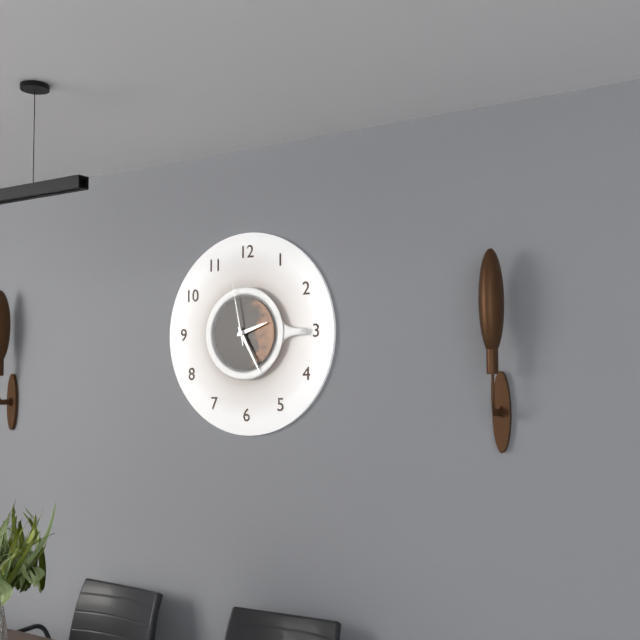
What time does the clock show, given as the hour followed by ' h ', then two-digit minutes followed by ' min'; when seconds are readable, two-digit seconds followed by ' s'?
2 h 25 min 58 s
